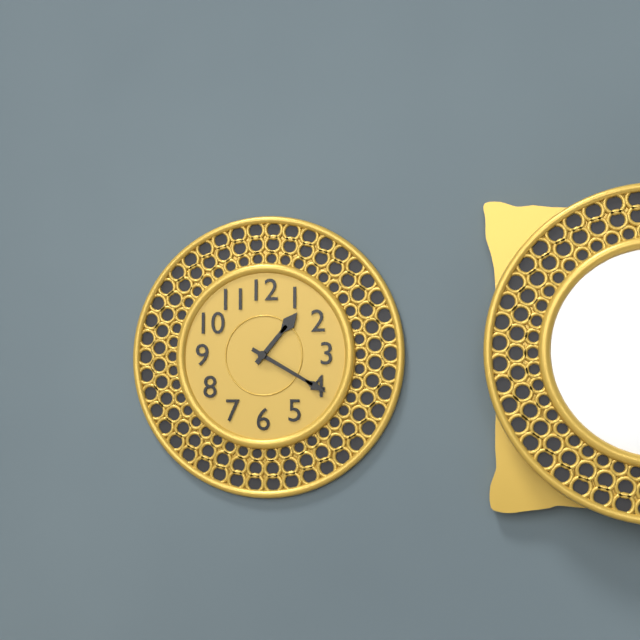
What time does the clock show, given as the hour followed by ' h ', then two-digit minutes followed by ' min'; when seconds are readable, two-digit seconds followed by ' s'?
1 h 20 min
